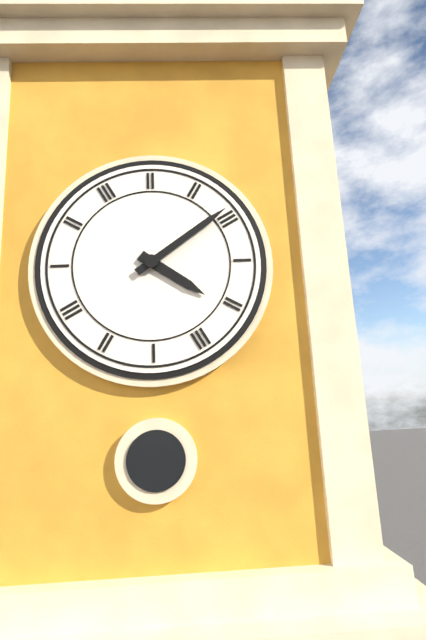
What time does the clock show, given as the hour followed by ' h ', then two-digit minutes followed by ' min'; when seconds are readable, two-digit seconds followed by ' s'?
4 h 09 min
